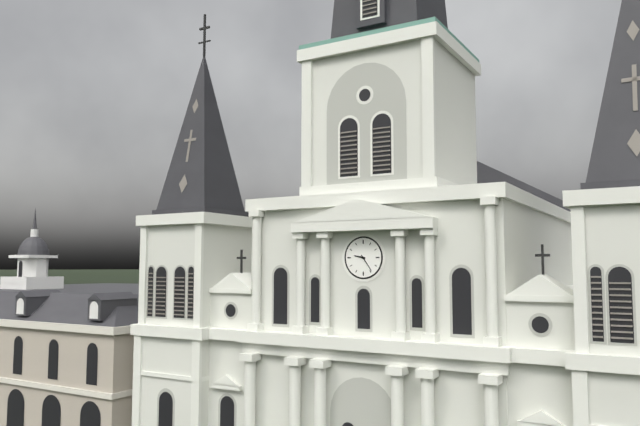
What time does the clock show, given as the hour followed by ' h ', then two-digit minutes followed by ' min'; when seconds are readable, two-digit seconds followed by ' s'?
9 h 24 min
